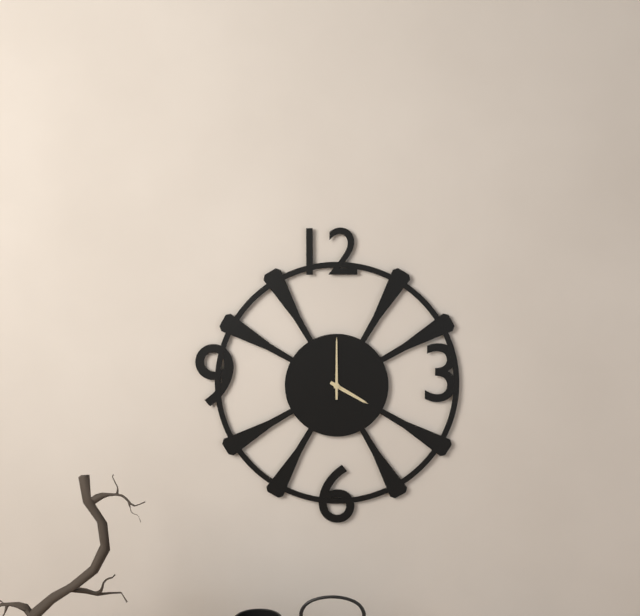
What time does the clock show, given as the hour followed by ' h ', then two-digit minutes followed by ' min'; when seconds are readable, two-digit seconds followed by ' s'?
4 h 00 min
